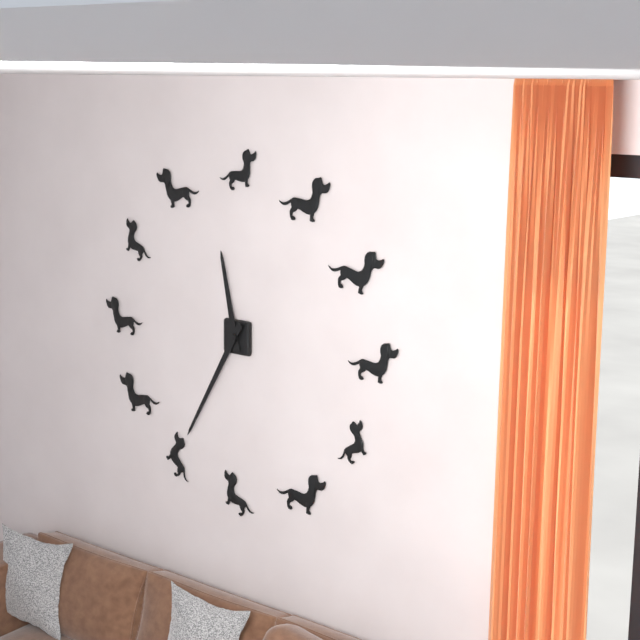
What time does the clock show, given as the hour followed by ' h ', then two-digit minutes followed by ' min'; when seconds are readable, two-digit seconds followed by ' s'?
11 h 35 min
